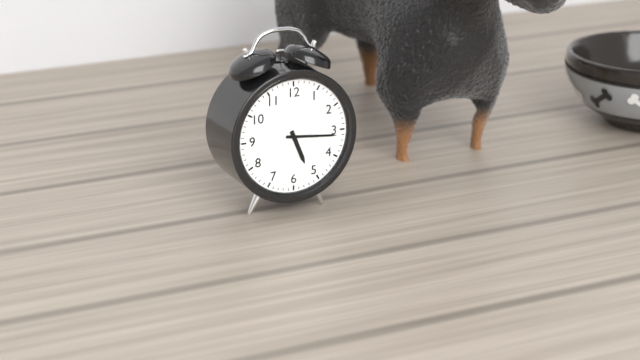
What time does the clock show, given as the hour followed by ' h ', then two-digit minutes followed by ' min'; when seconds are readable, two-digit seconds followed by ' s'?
5 h 16 min
